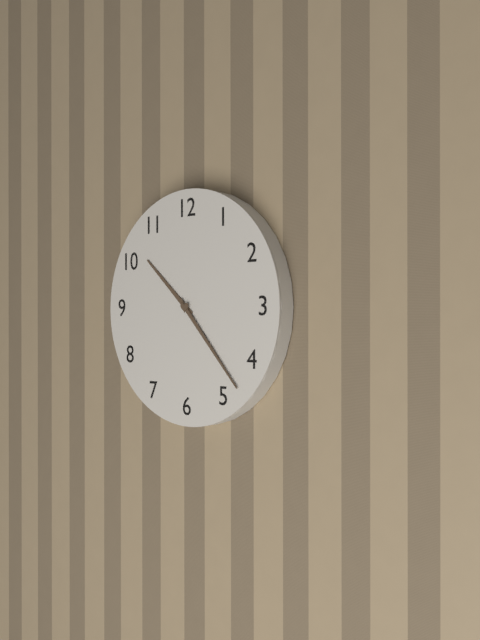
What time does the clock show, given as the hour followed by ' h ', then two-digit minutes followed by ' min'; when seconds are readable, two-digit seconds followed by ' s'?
10 h 23 min
